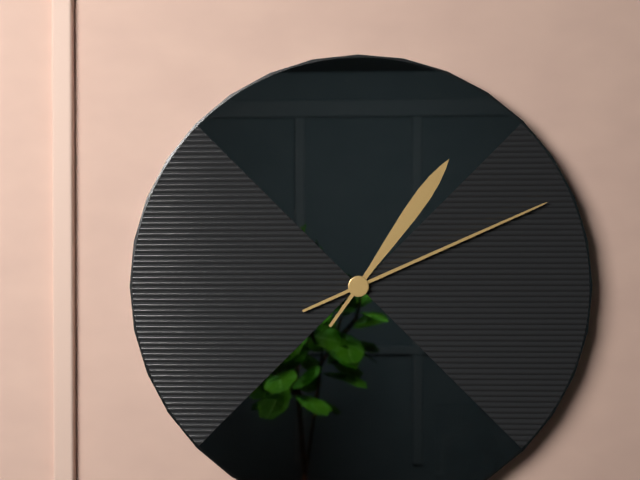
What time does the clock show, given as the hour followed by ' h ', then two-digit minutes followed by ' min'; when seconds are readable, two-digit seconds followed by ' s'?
1 h 11 min
